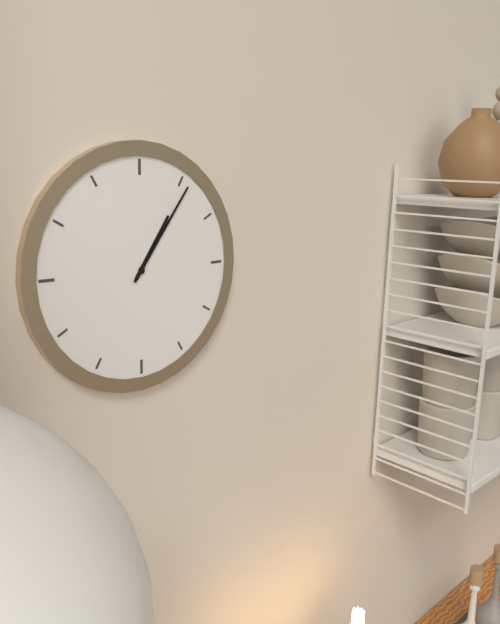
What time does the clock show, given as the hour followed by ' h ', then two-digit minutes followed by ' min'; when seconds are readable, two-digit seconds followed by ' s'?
1 h 06 min
